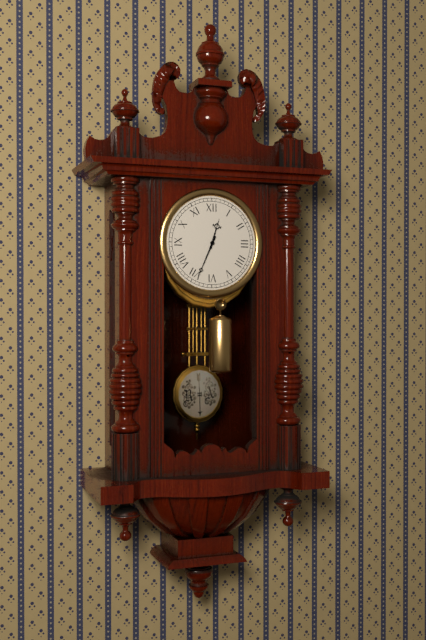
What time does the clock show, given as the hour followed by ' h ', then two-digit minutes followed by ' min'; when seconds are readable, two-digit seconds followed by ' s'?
12 h 34 min
